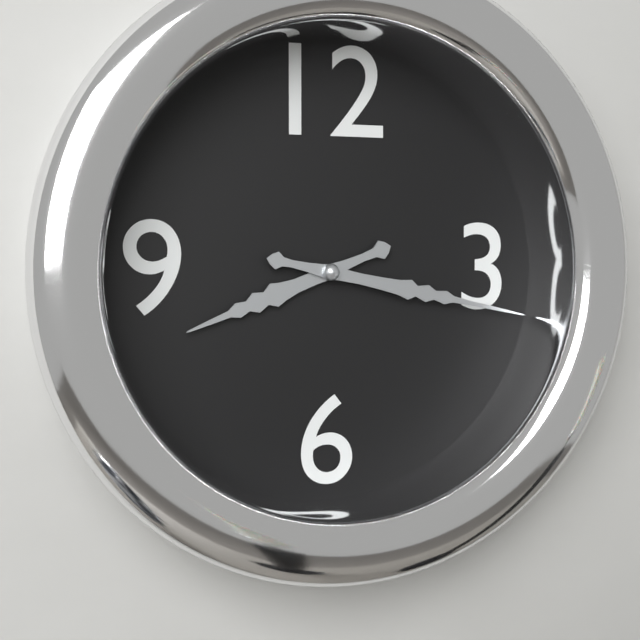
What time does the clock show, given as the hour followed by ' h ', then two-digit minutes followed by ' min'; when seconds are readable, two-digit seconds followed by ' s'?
8 h 17 min
